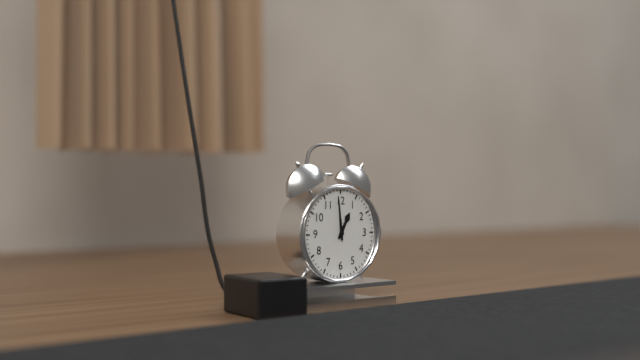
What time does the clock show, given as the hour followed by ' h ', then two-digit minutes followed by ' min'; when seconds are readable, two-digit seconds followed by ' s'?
12 h 59 min
